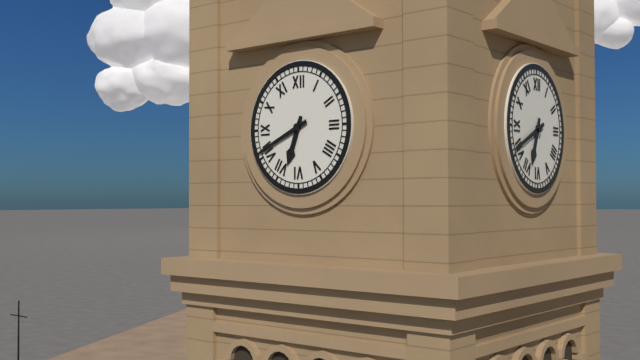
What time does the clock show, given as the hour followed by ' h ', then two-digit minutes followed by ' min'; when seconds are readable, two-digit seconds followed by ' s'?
6 h 41 min
